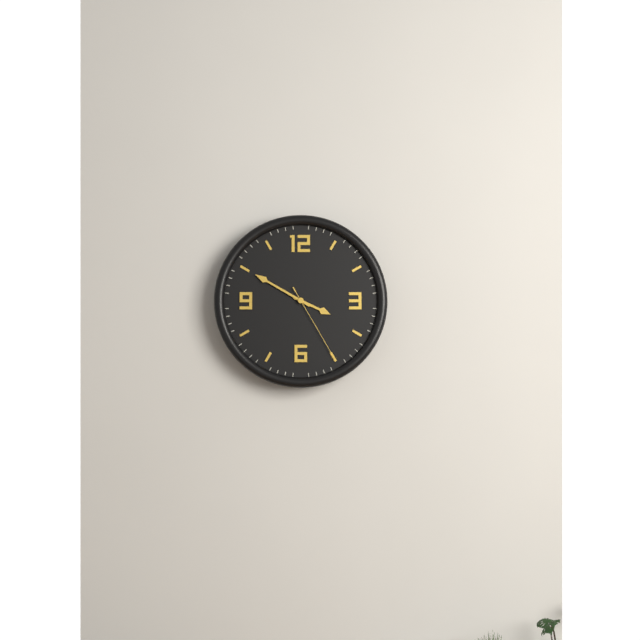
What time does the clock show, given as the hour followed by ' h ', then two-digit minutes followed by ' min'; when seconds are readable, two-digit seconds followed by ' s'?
3 h 50 min 25 s
